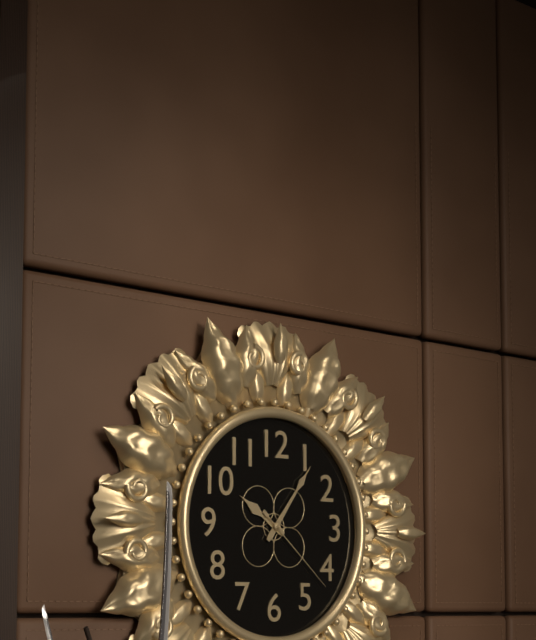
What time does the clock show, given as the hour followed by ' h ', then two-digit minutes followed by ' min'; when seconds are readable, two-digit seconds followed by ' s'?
10 h 06 min 22 s
